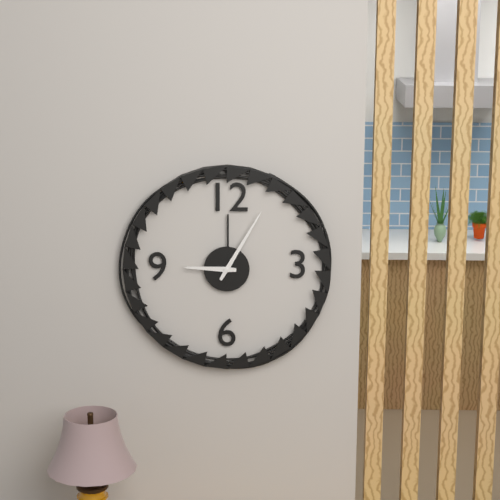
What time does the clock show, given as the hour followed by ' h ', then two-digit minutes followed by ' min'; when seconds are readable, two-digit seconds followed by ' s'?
9 h 05 min
